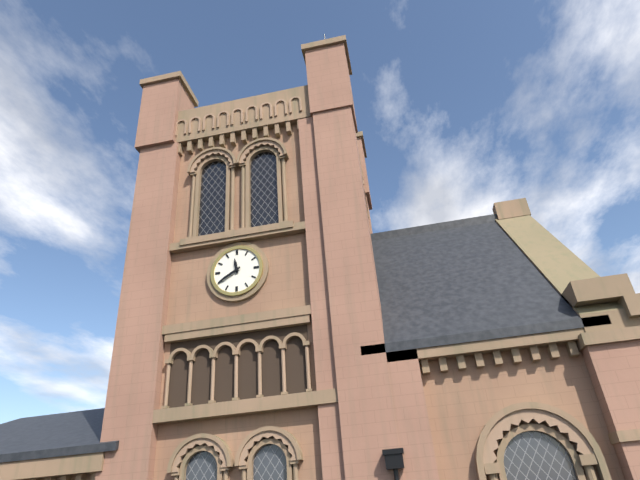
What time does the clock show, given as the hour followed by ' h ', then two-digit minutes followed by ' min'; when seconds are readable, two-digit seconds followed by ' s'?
11 h 40 min
